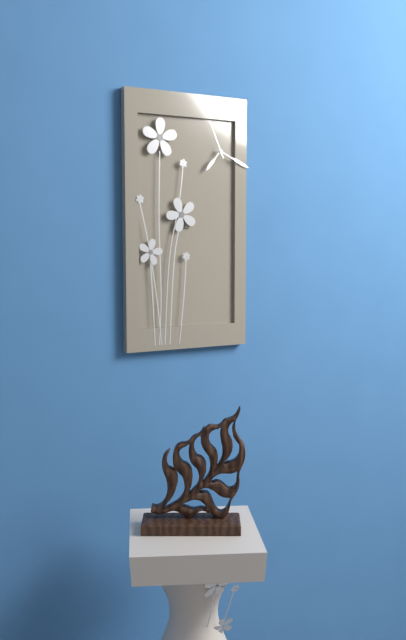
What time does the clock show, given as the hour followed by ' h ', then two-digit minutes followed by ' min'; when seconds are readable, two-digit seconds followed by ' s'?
7 h 19 min
